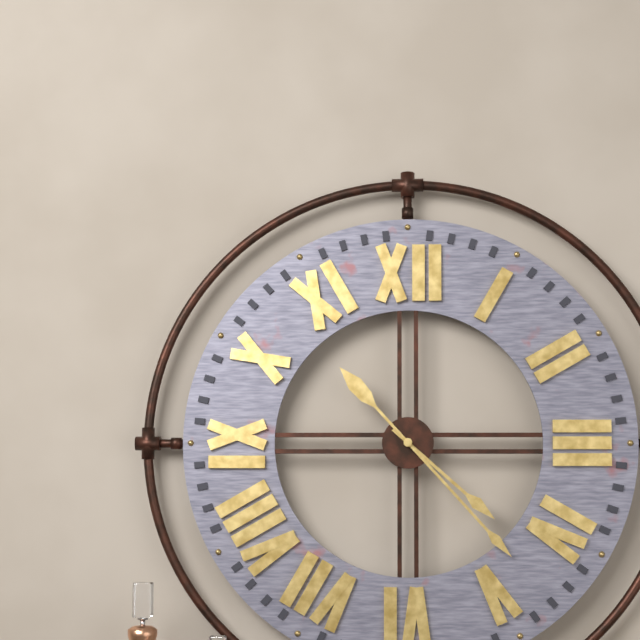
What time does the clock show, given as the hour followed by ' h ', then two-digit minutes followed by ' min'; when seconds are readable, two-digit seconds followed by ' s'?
4 h 23 min
